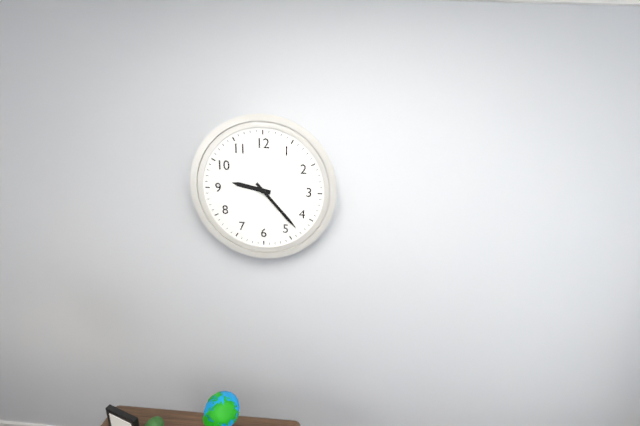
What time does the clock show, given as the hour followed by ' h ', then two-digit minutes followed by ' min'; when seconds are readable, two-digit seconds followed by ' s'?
9 h 23 min
